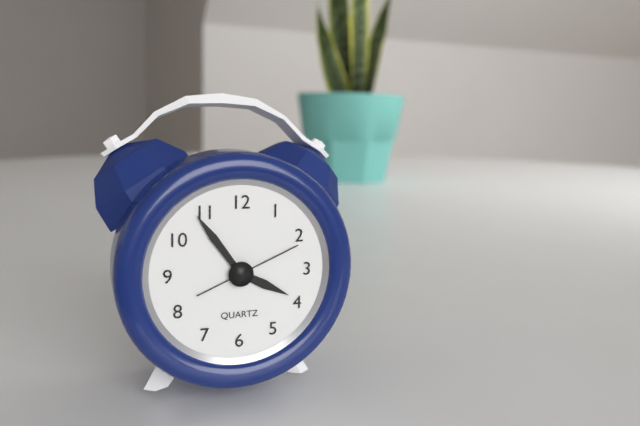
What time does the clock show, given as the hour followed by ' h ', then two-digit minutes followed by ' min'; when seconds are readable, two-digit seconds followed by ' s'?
3 h 54 min 11 s
